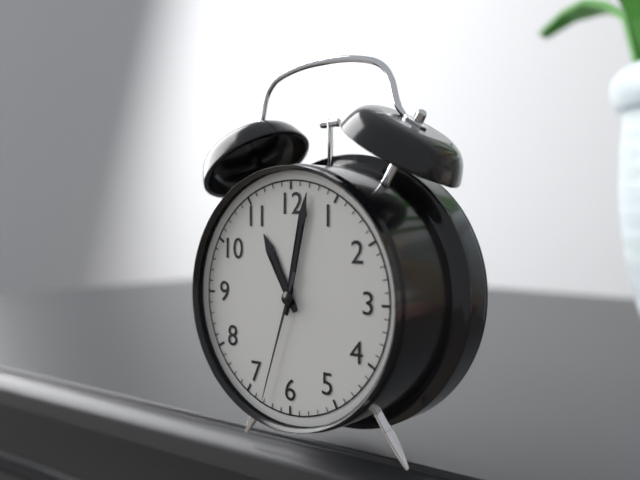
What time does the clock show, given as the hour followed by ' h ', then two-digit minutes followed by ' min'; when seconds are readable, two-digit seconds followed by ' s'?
11 h 02 min 33 s
